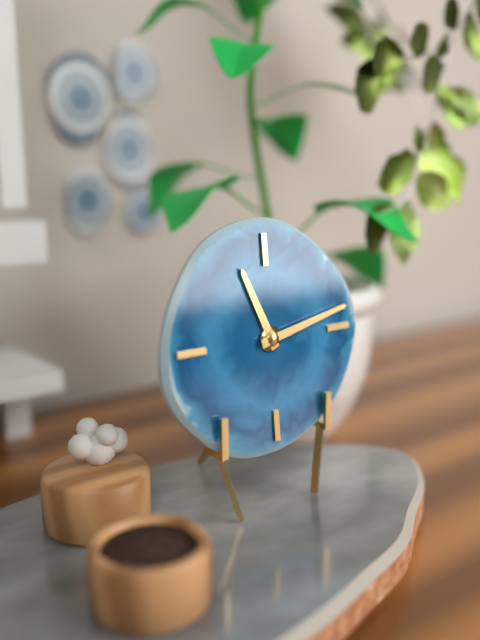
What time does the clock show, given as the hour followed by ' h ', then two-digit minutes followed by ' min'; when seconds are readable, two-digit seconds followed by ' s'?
11 h 13 min
